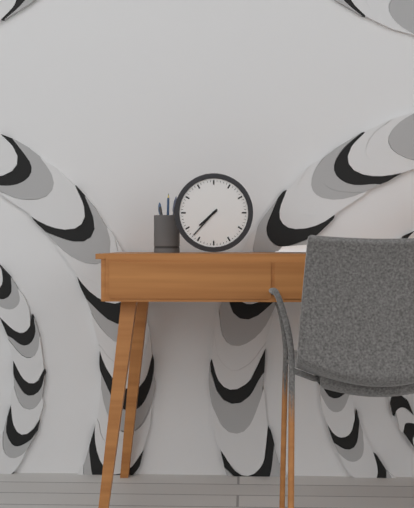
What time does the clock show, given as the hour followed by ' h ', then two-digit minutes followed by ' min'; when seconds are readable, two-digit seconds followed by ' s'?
7 h 37 min
